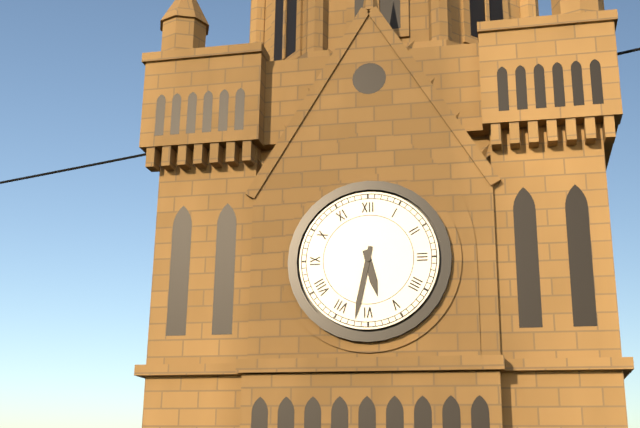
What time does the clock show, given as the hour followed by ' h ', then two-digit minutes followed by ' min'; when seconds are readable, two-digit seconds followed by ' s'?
5 h 32 min
